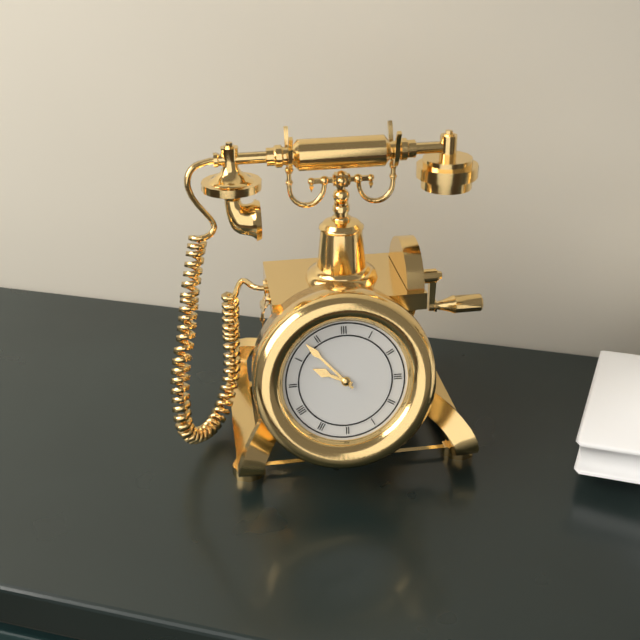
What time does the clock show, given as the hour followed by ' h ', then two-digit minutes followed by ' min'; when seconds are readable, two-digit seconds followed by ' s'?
9 h 53 min
